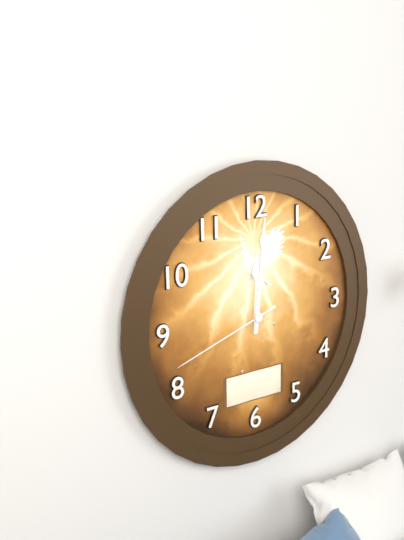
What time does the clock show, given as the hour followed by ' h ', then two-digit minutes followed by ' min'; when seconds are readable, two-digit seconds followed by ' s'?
12 h 01 min 42 s
